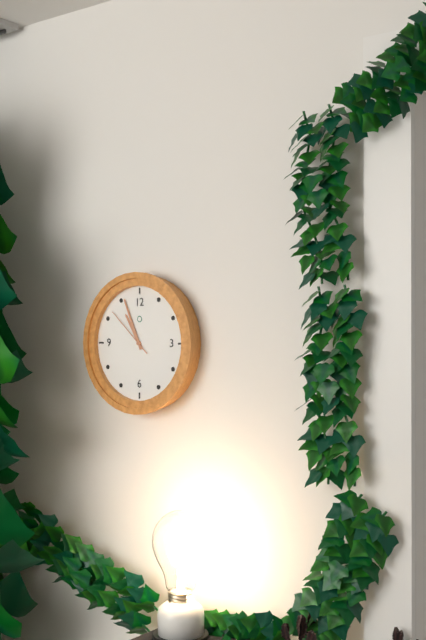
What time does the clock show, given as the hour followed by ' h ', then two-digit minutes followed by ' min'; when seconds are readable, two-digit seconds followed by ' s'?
10 h 56 min 52 s
